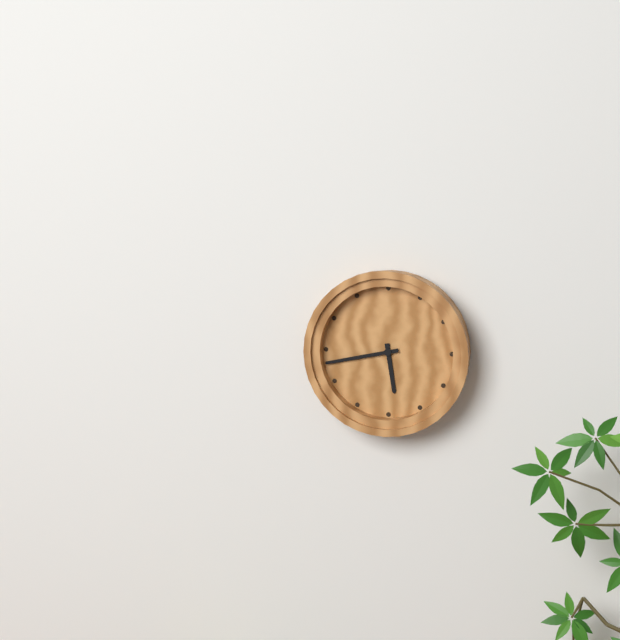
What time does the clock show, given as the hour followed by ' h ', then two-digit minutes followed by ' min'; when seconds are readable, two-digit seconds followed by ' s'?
5 h 43 min
